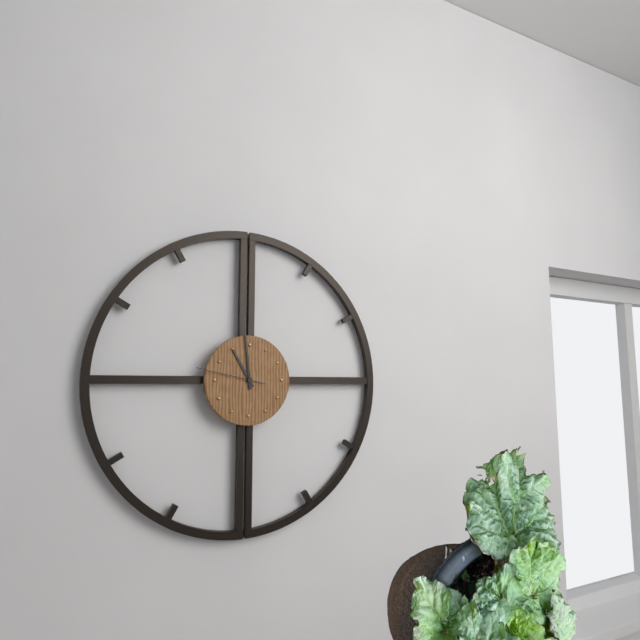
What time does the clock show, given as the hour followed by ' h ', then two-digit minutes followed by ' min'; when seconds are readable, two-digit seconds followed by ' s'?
10 h 59 min 47 s
